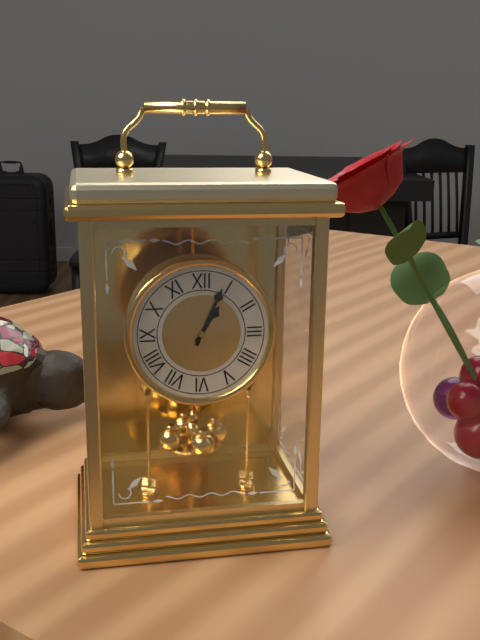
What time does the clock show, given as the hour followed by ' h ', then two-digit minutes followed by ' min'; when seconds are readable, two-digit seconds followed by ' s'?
1 h 04 min
